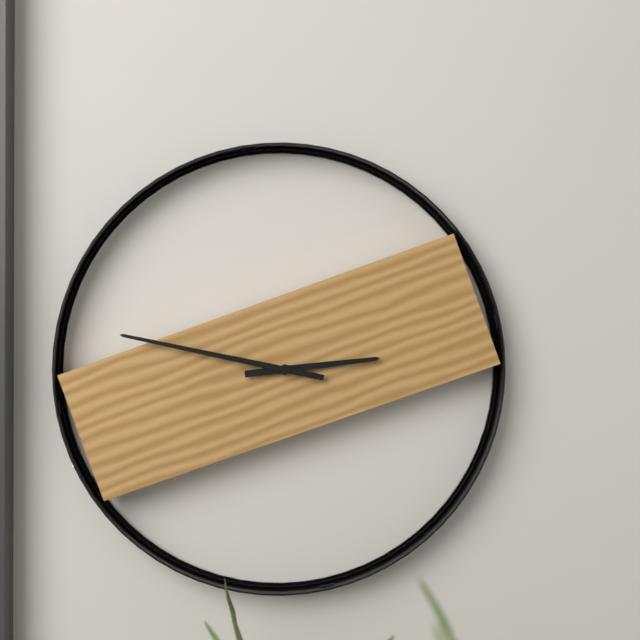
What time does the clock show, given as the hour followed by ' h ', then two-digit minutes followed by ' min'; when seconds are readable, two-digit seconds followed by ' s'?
2 h 47 min
